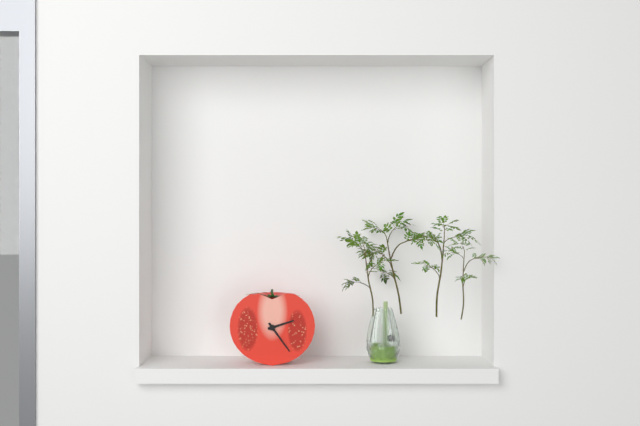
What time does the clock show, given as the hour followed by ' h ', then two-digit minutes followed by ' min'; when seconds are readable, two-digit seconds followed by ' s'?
2 h 24 min
